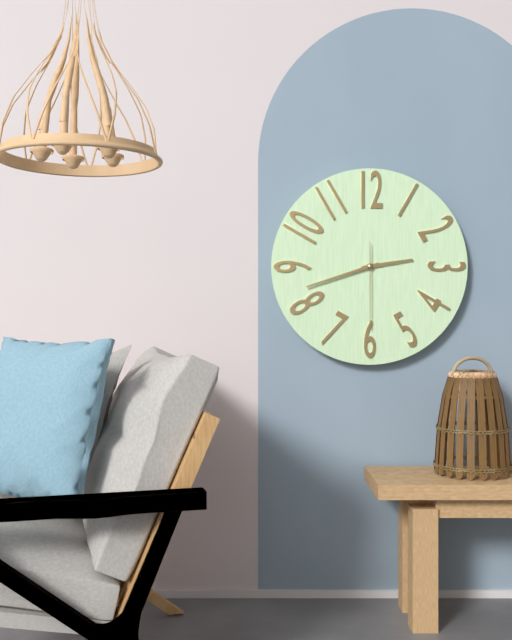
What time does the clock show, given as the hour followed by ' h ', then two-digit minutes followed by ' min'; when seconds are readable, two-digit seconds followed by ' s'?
2 h 42 min 30 s
